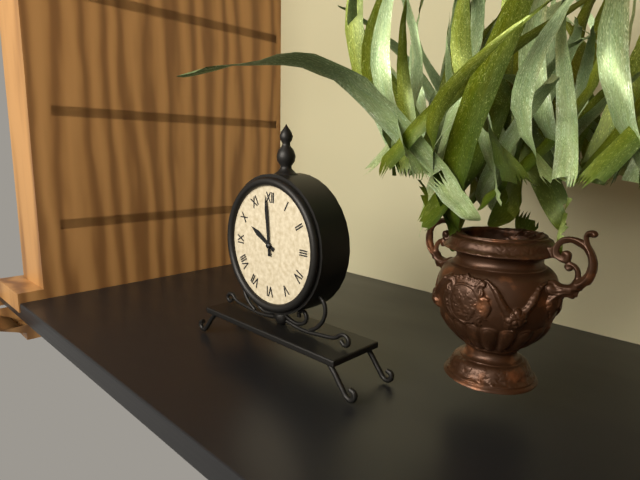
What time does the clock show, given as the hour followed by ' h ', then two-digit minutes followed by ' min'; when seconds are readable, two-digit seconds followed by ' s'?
9 h 59 min
